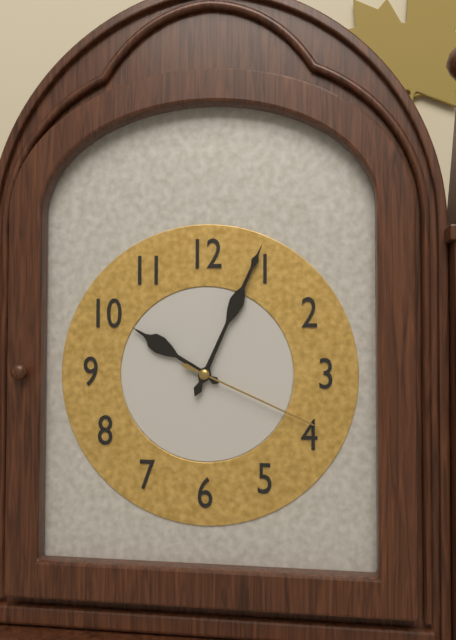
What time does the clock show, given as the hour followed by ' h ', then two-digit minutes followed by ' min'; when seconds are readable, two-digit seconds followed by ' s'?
10 h 04 min 19 s
